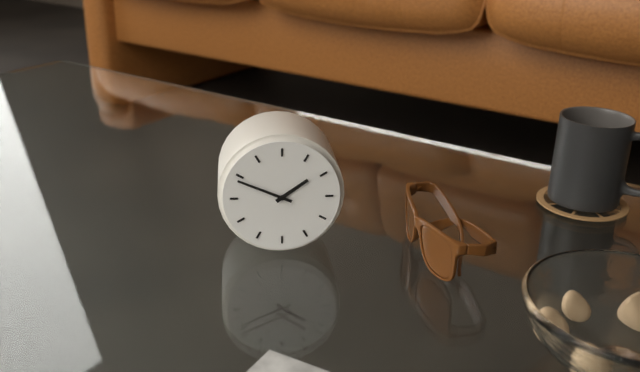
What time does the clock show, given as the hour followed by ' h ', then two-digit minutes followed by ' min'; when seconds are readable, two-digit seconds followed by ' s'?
1 h 49 min
